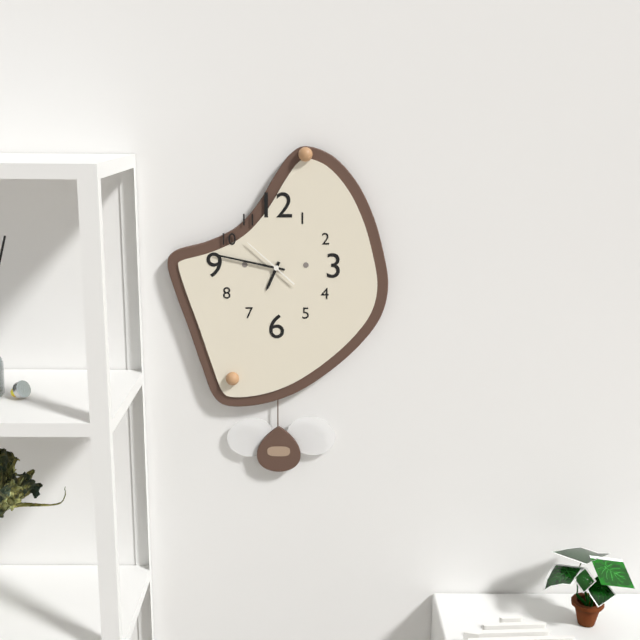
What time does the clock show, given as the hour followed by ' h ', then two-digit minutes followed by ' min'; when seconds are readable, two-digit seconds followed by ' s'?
6 h 47 min
